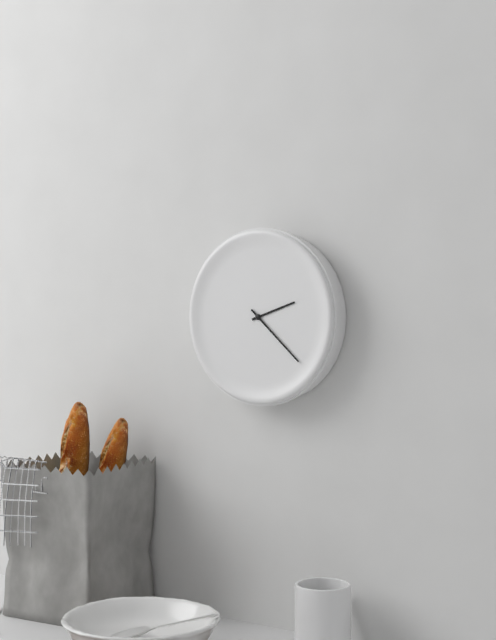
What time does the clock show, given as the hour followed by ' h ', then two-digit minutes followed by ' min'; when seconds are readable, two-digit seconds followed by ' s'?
2 h 22 min
